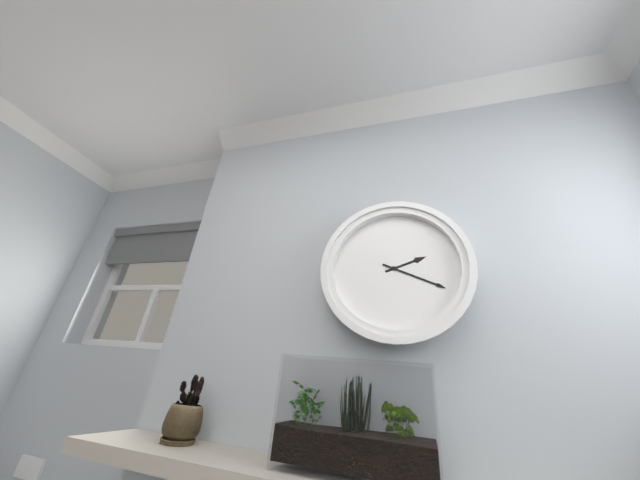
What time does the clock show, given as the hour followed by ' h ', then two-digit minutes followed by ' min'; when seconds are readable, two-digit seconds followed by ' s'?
2 h 19 min
